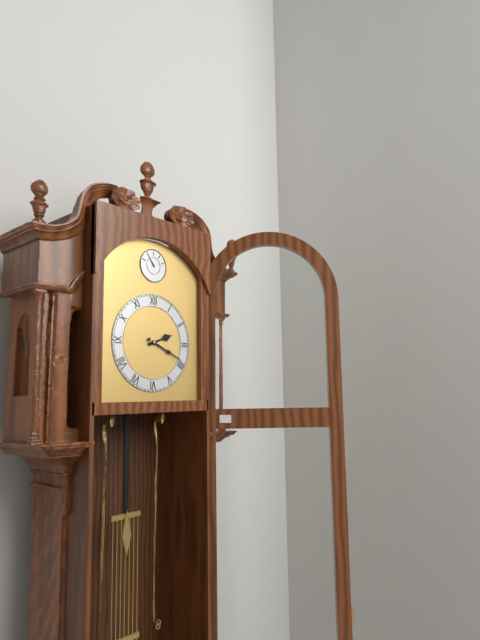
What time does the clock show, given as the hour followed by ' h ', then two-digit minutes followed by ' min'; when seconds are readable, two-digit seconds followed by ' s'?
2 h 19 min
